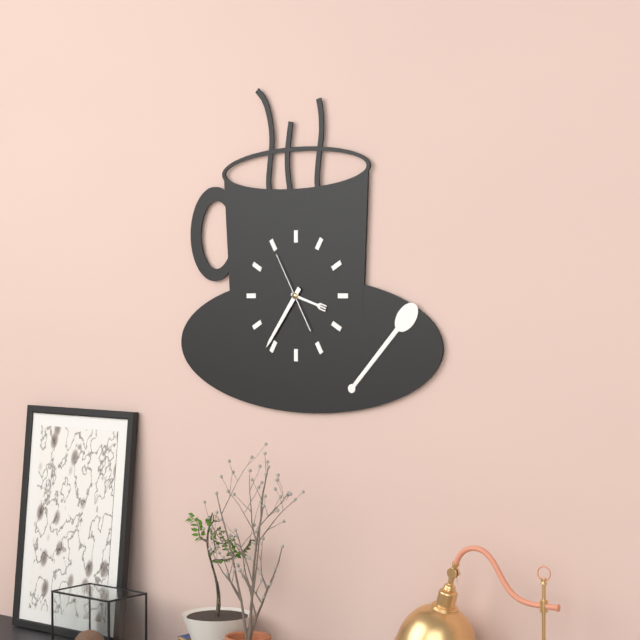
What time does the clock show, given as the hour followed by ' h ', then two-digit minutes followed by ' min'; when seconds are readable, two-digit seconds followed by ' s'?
3 h 36 min 55 s
